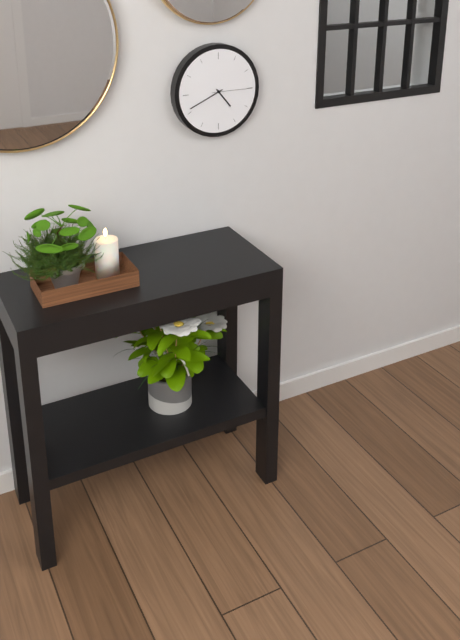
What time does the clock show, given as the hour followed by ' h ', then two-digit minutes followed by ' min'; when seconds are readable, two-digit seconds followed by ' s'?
4 h 41 min
